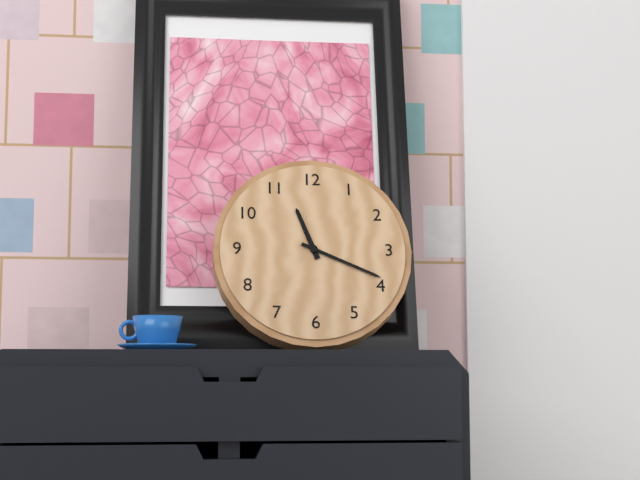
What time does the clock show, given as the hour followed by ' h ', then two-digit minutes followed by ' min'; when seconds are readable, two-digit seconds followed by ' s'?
11 h 19 min
